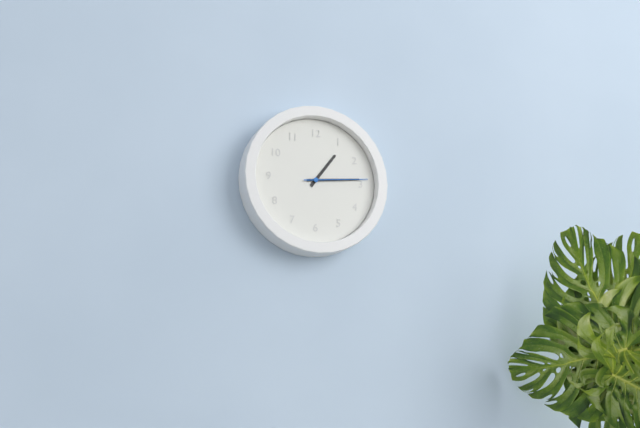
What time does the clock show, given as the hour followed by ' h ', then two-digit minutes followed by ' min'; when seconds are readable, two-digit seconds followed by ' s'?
1 h 14 min 14 s
